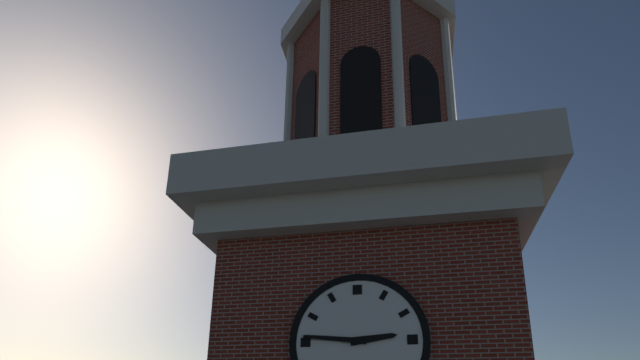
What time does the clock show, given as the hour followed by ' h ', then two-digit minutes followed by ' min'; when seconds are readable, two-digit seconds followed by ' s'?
2 h 46 min
